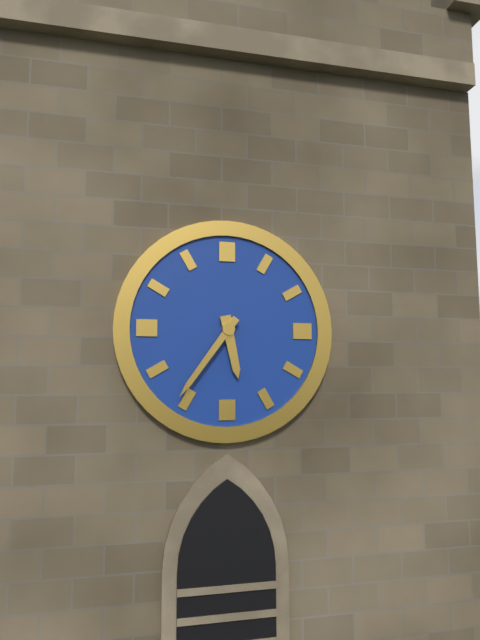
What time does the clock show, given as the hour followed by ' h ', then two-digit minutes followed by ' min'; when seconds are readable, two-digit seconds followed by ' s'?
5 h 36 min
